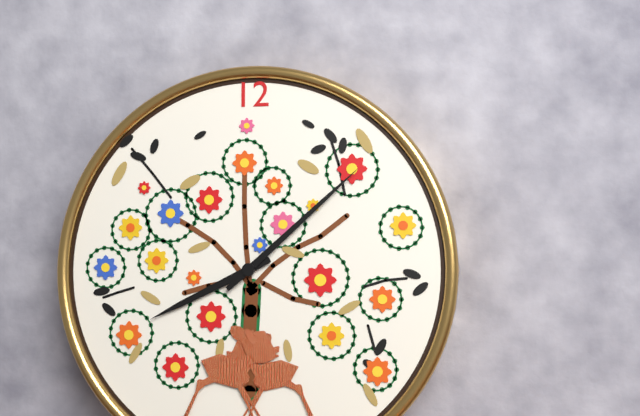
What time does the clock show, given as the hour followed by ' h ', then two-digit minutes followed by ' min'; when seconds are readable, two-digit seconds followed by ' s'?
8 h 08 min
